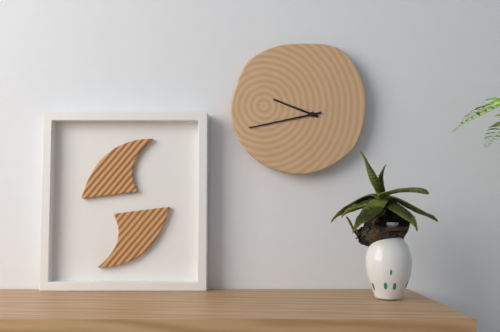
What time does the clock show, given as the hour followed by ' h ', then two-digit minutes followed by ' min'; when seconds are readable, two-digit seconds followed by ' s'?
9 h 43 min
